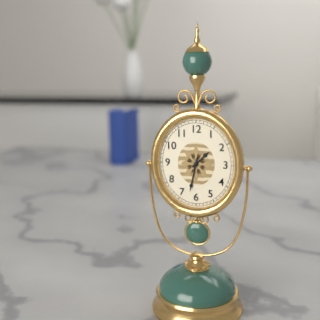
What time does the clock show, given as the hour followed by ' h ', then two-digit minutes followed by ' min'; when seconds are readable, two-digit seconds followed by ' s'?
1 h 32 min
